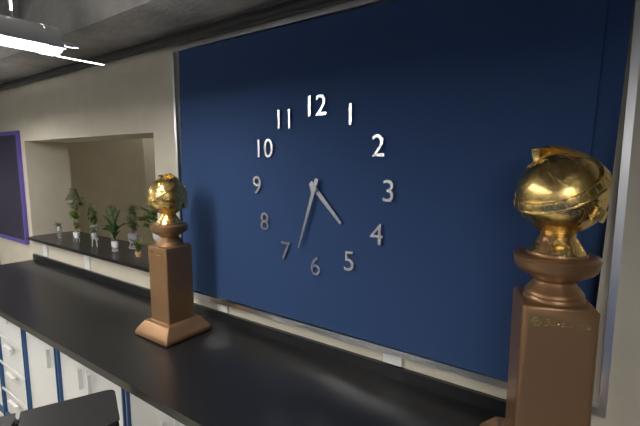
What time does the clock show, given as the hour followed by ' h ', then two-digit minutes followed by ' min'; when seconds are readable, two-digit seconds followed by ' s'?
4 h 33 min
